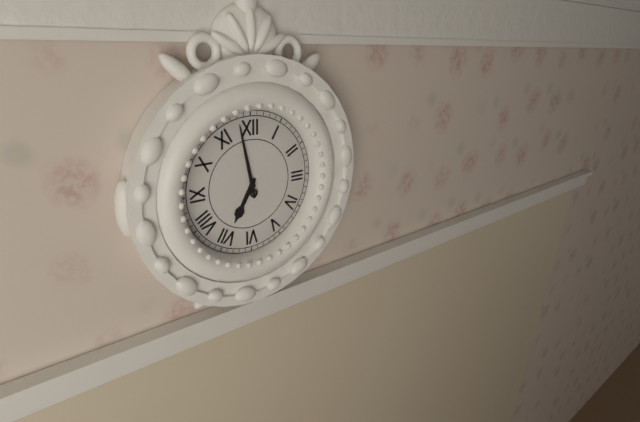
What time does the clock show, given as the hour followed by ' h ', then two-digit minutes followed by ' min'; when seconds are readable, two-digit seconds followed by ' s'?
6 h 58 min
